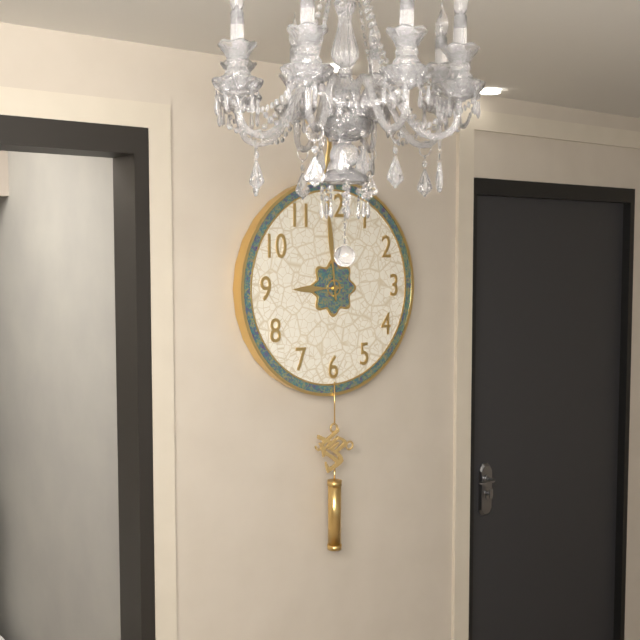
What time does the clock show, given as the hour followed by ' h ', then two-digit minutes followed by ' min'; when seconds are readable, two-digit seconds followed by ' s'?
8 h 59 min
